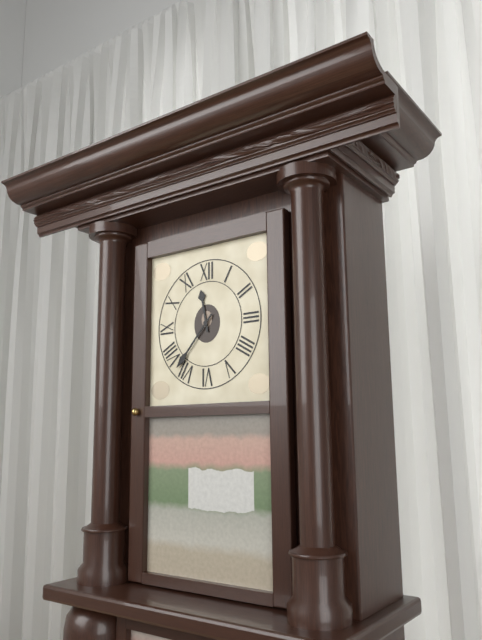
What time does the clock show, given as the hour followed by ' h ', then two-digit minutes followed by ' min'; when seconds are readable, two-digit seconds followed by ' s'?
11 h 37 min
